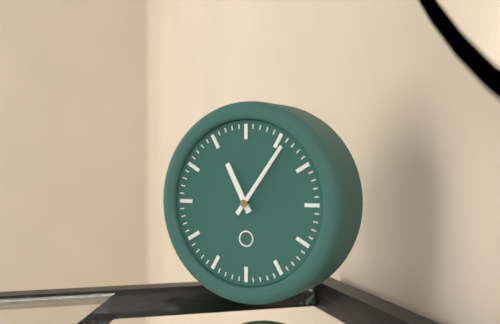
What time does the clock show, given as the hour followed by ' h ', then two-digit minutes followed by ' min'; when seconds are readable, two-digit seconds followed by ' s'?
11 h 06 min
